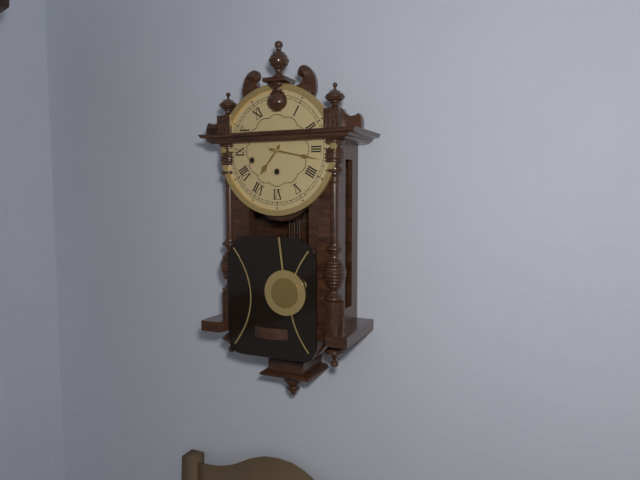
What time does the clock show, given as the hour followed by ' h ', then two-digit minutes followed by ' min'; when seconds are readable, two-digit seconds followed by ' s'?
7 h 17 min
